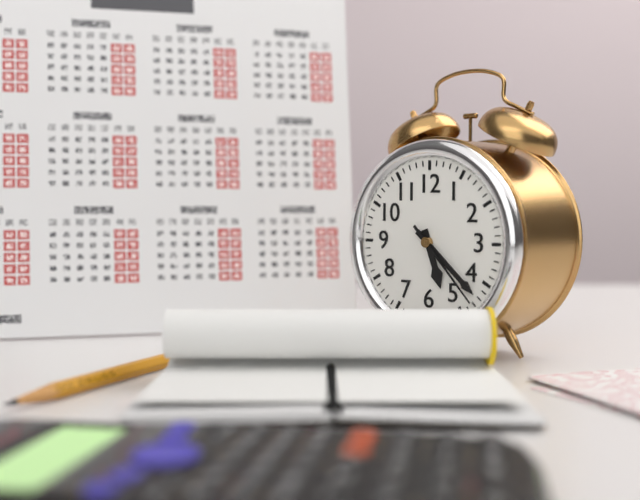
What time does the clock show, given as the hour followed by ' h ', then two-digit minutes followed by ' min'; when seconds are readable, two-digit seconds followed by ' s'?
5 h 22 min 23 s
